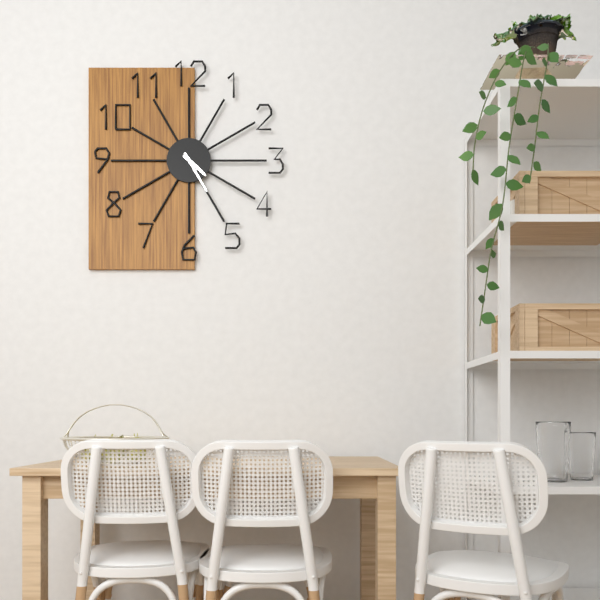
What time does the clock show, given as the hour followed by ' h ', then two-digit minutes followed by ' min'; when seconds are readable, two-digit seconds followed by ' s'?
4 h 25 min
